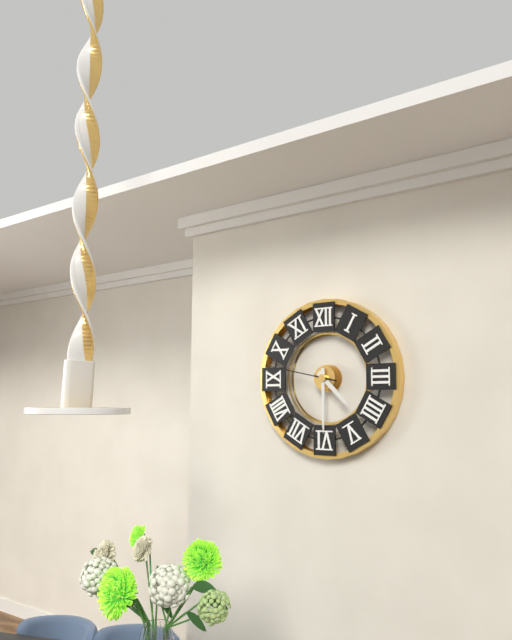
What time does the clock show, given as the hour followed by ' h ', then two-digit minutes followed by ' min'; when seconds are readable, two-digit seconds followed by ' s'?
4 h 30 min 47 s
